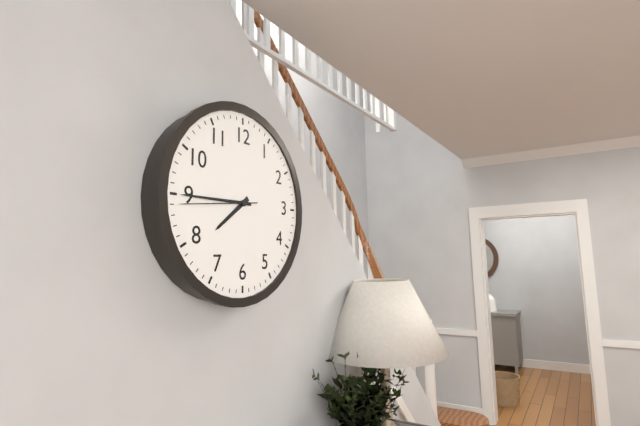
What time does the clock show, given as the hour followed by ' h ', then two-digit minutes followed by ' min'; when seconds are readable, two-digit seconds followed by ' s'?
7 h 45 min 44 s
